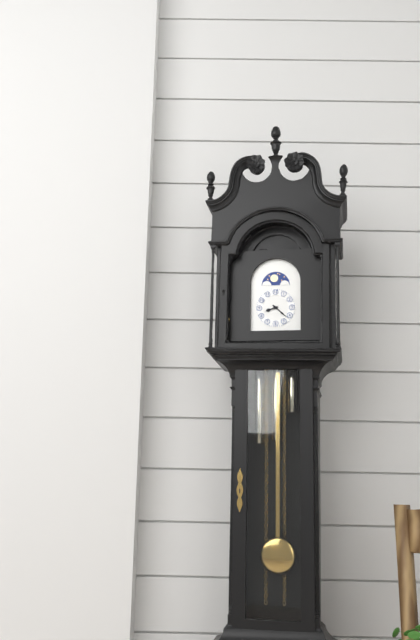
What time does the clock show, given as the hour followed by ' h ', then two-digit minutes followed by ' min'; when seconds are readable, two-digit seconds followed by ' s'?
8 h 22 min
